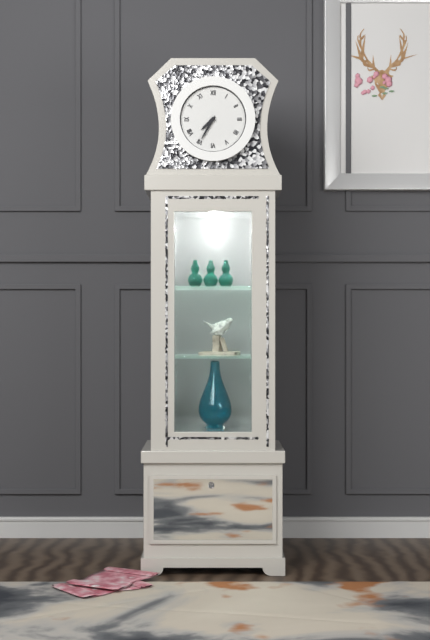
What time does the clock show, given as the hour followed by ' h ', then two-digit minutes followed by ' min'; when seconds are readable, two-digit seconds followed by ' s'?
7 h 35 min
